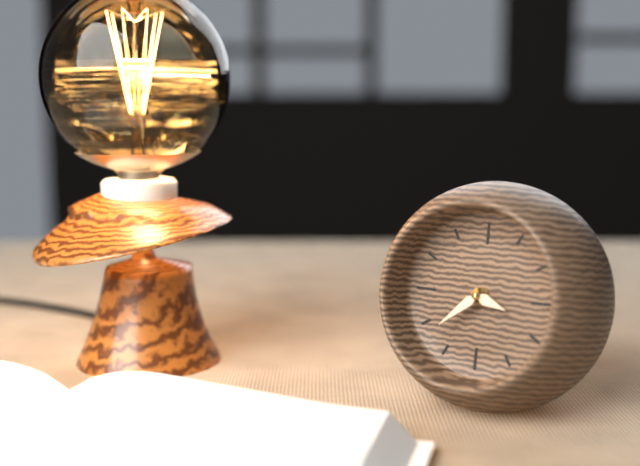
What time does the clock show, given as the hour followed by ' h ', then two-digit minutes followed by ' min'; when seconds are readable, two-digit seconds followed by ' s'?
3 h 38 min
